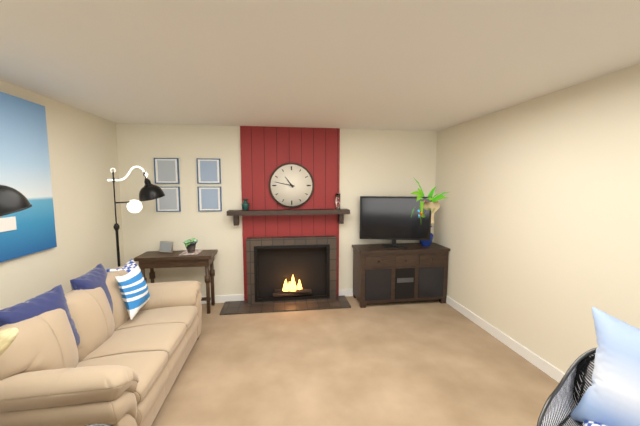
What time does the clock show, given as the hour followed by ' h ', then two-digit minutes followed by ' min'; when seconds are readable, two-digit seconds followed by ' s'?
10 h 47 min
